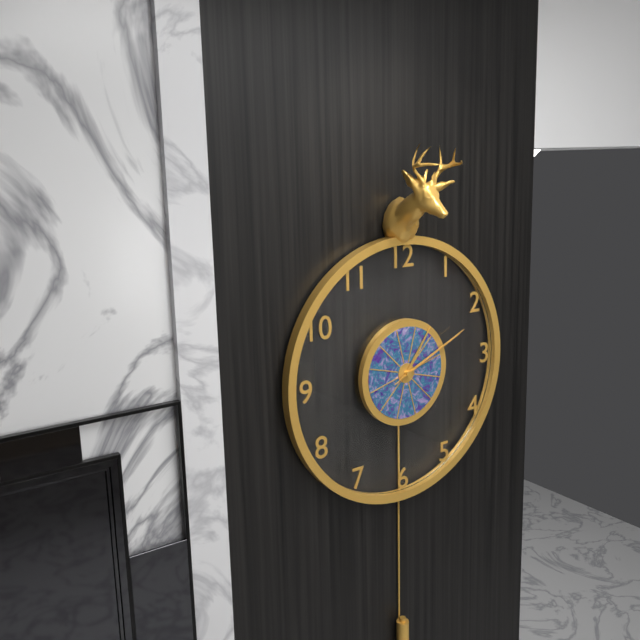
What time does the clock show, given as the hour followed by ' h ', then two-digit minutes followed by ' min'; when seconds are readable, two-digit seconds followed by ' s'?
1 h 11 min 11 s
